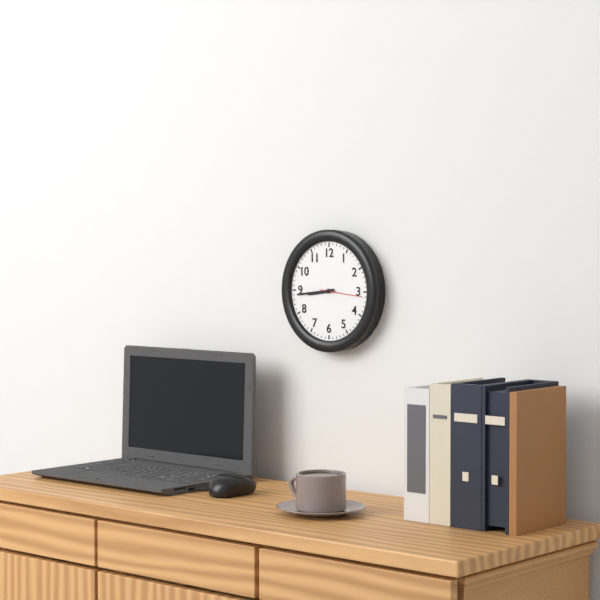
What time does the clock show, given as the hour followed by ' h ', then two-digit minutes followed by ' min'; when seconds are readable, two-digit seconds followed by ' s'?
8 h 44 min
